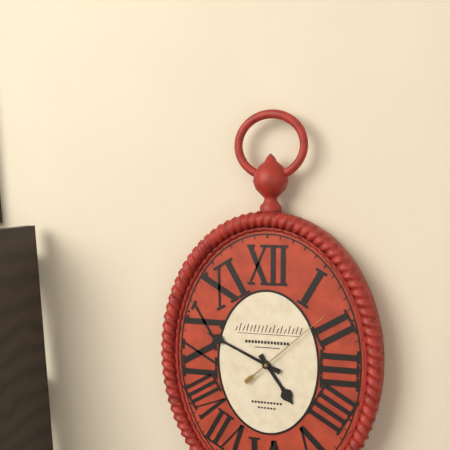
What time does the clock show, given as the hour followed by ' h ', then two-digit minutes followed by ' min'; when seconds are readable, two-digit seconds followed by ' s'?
4 h 49 min 08 s
